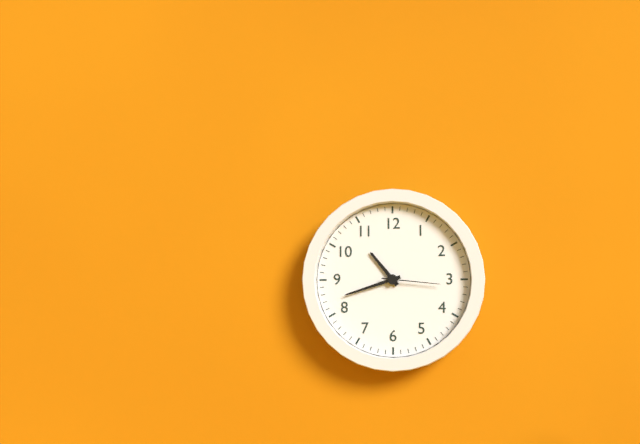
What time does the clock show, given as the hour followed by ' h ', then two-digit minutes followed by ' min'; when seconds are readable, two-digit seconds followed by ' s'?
10 h 42 min 16 s
